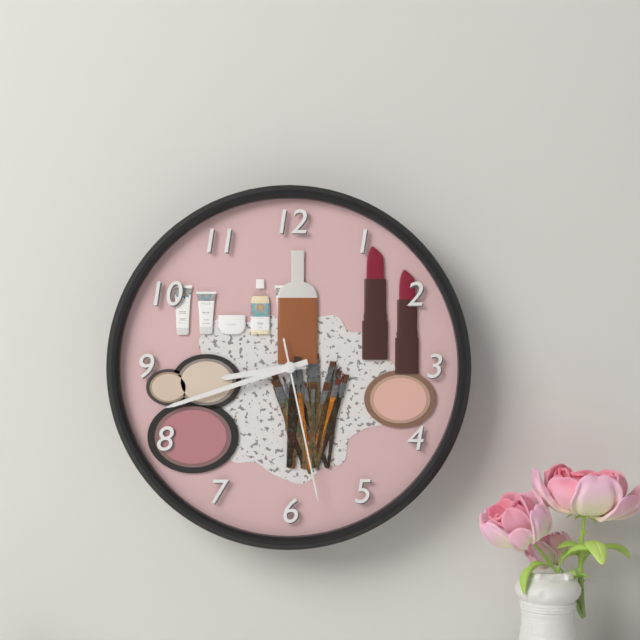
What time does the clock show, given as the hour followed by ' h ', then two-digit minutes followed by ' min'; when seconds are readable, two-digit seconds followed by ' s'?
8 h 42 min 28 s
